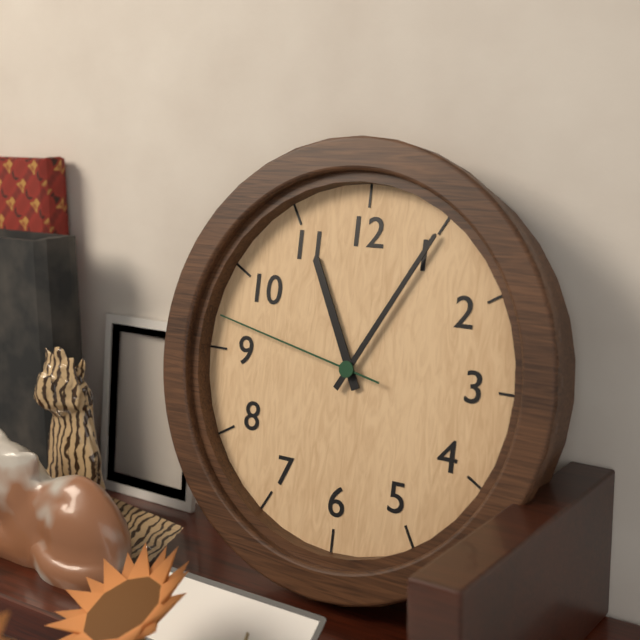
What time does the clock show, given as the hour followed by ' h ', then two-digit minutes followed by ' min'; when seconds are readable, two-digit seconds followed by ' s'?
11 h 05 min 47 s
